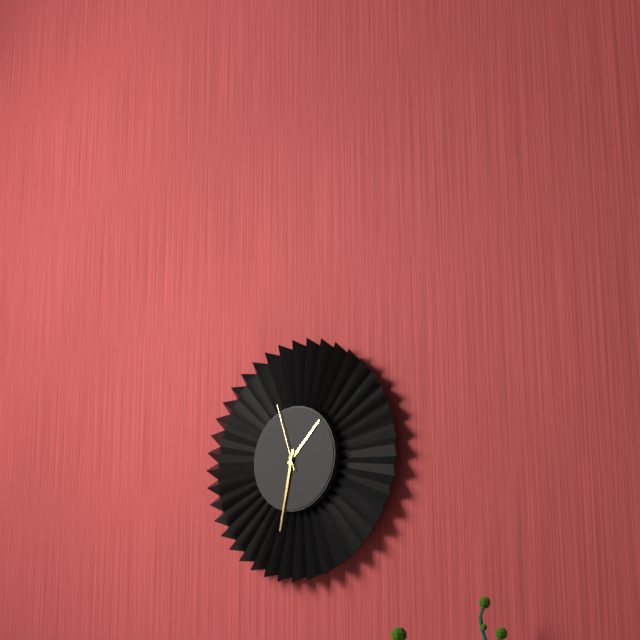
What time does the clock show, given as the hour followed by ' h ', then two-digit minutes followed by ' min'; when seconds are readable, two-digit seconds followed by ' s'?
1 h 32 min 57 s
